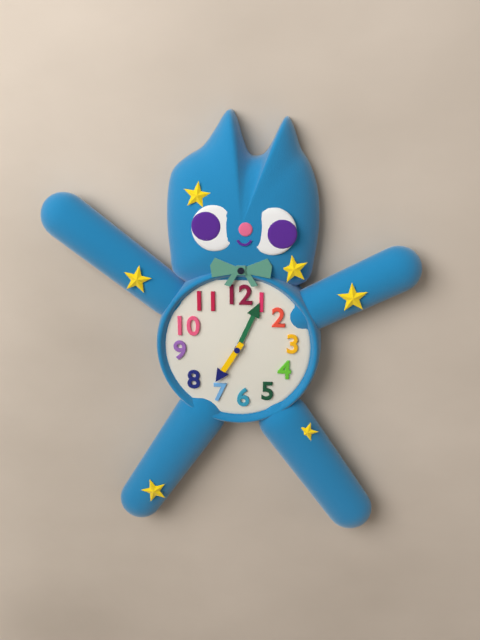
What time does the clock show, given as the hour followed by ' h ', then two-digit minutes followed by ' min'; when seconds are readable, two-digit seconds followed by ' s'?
7 h 04 min
